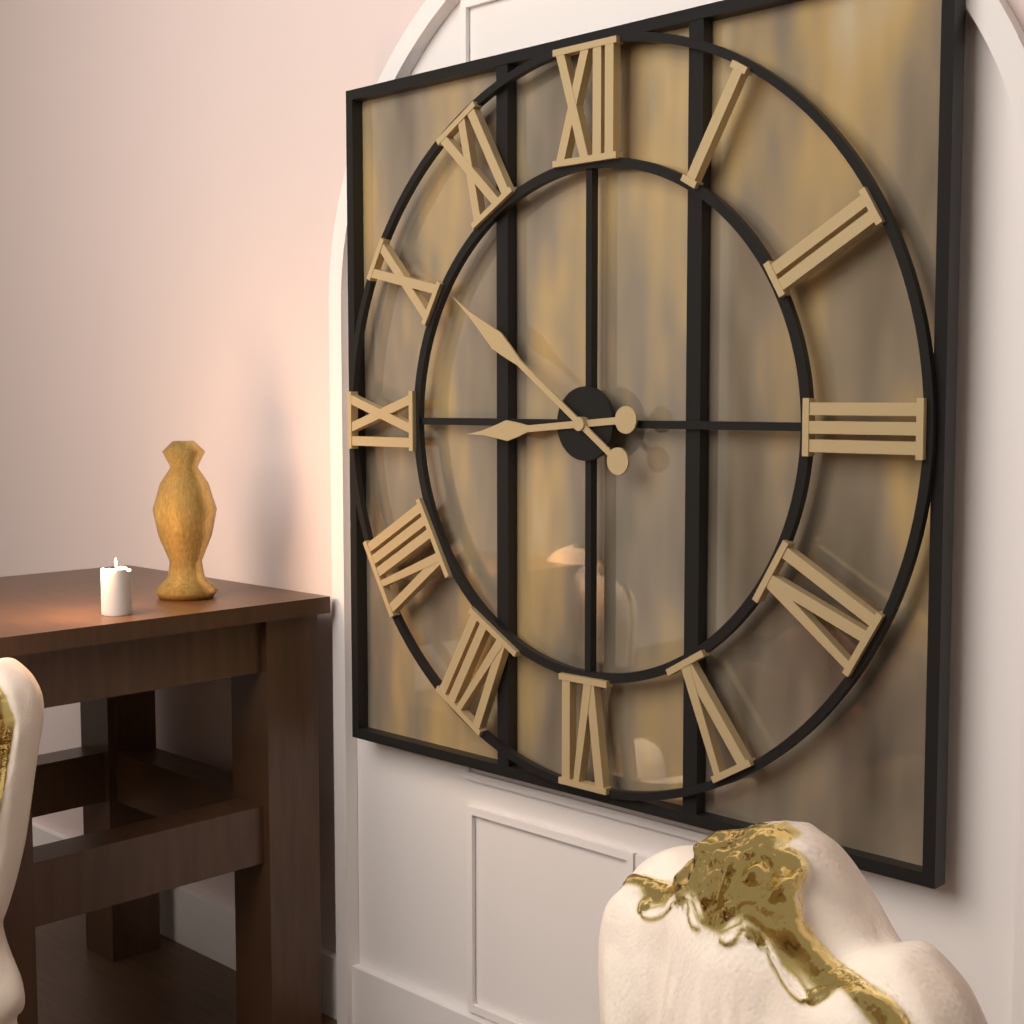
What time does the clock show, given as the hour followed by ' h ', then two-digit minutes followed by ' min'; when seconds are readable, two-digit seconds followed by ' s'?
8 h 51 min
